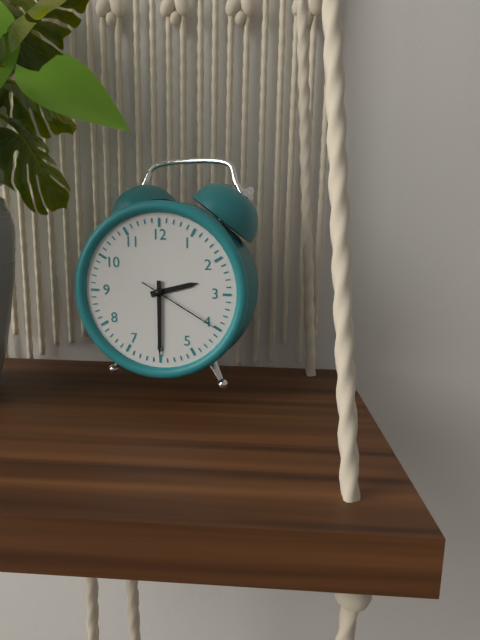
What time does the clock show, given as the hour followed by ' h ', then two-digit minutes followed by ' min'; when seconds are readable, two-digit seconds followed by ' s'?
2 h 30 min 20 s
